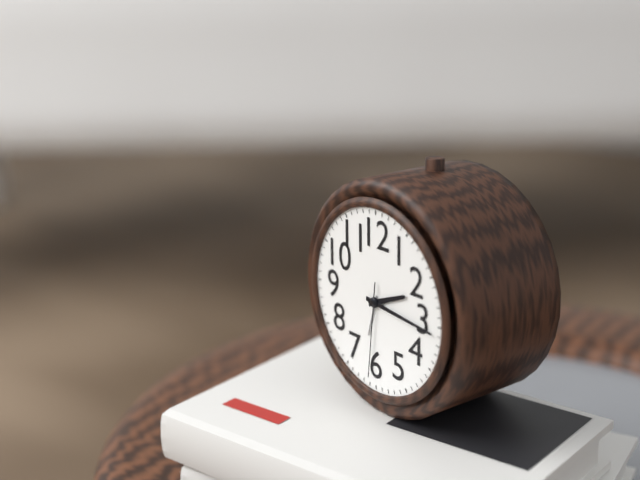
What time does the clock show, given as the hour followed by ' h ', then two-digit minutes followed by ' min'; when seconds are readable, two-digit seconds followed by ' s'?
2 h 16 min 31 s
